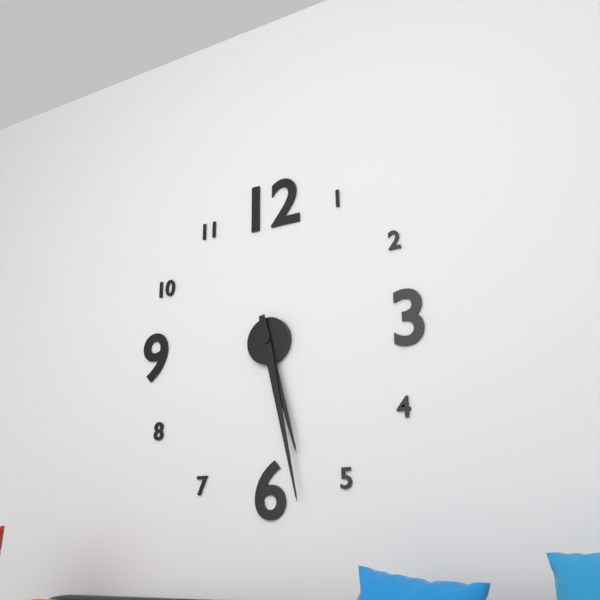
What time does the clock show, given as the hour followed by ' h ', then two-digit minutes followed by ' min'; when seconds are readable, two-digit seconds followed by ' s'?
5 h 28 min
